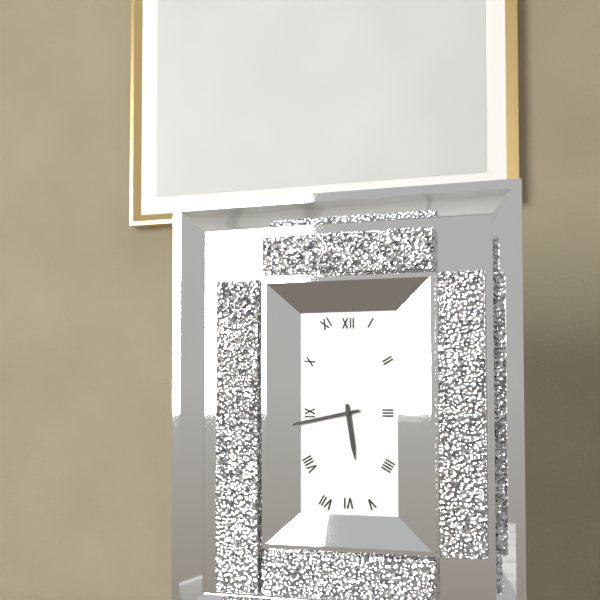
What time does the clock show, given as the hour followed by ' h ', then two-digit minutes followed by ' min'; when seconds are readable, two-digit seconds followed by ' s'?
5 h 43 min
